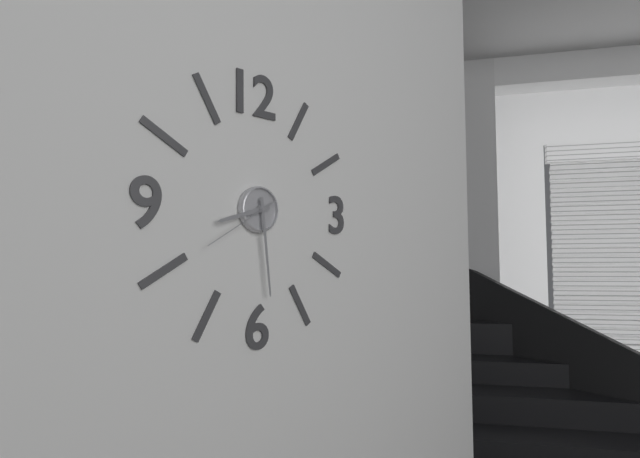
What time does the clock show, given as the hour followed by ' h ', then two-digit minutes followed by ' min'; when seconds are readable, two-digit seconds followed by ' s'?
8 h 29 min 40 s
